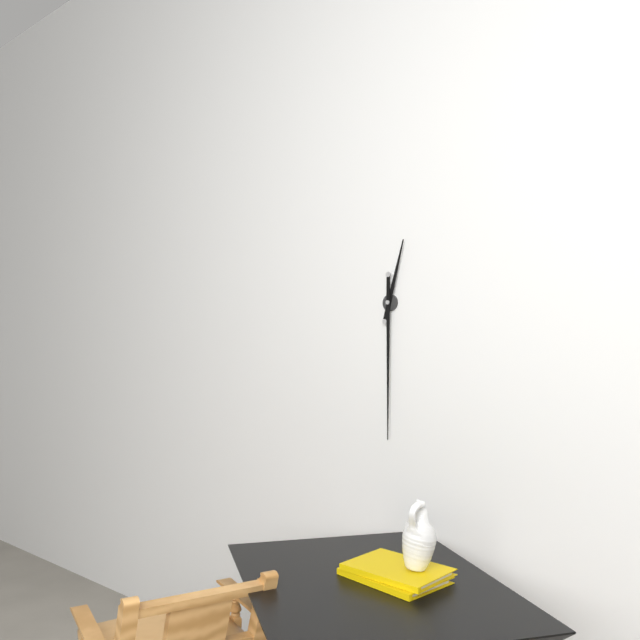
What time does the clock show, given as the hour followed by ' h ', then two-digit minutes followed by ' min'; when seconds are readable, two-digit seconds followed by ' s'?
12 h 30 min
